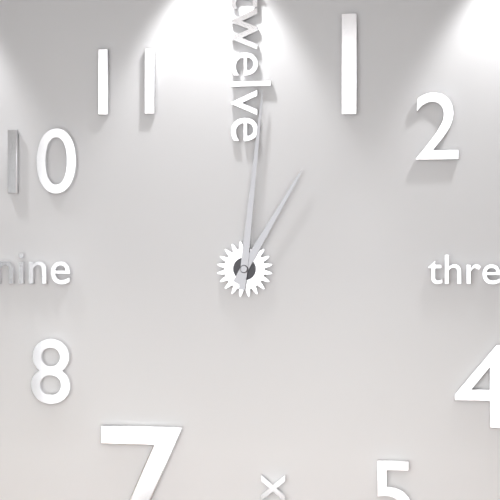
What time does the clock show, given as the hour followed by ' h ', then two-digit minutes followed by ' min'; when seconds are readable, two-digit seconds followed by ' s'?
1 h 01 min
